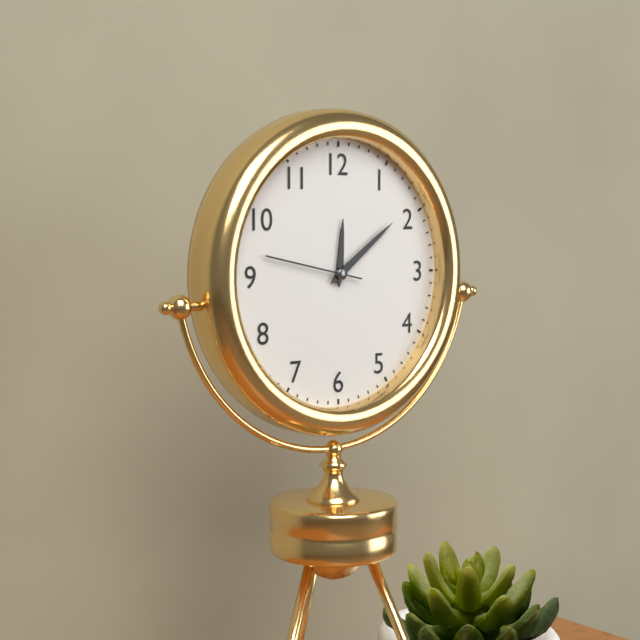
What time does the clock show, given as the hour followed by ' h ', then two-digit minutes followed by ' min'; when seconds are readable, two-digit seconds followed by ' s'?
12 h 09 min 47 s
